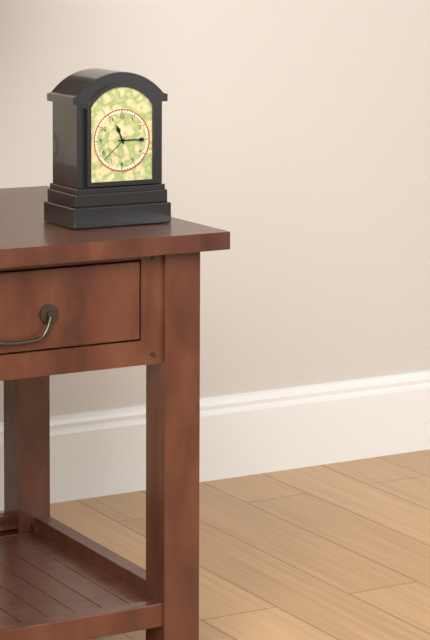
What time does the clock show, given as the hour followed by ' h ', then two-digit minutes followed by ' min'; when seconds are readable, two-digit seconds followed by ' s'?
11 h 15 min
